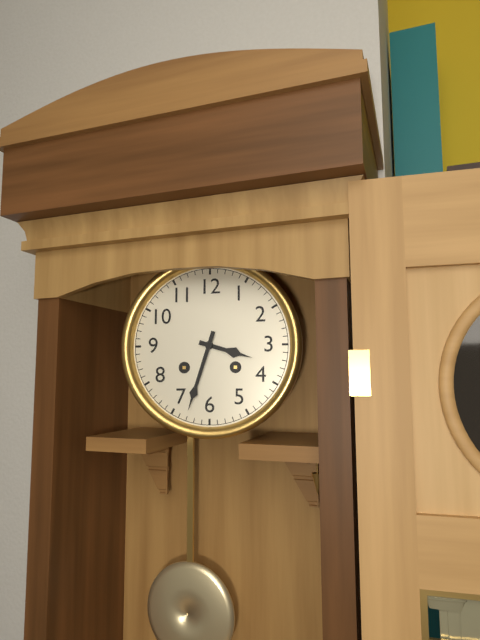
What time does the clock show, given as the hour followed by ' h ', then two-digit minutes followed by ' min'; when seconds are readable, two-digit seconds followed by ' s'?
3 h 33 min
